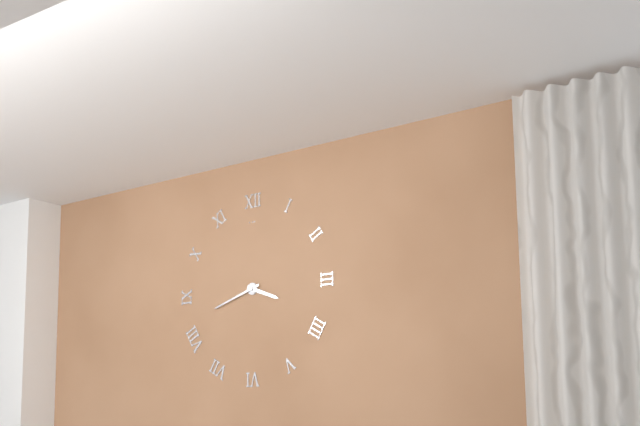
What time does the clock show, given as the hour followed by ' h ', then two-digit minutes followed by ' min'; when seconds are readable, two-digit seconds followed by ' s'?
3 h 42 min
